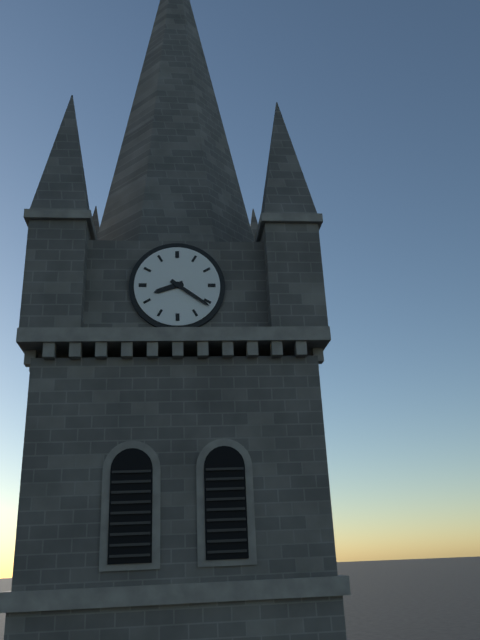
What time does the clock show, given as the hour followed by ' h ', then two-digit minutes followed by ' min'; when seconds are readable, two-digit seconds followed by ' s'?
8 h 21 min
